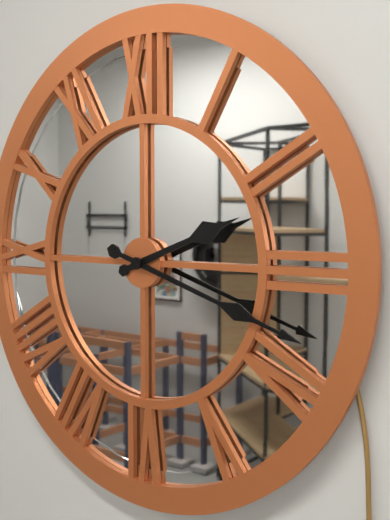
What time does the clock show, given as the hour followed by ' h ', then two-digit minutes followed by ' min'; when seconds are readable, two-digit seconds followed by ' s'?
2 h 18 min
